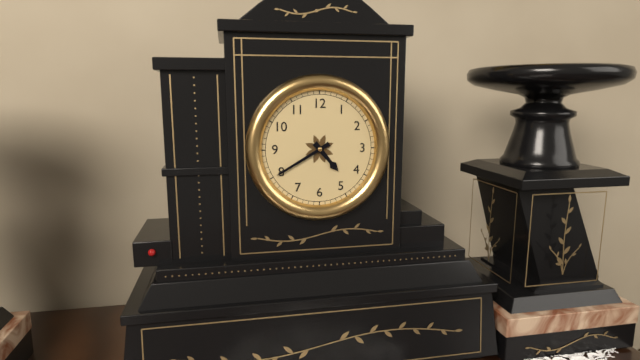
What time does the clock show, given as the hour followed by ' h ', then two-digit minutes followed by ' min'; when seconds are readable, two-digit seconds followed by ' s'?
4 h 40 min
